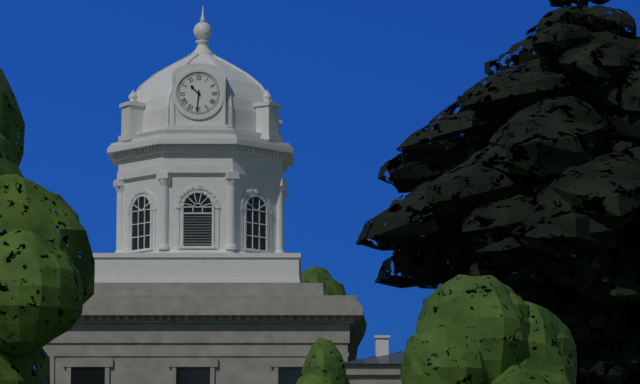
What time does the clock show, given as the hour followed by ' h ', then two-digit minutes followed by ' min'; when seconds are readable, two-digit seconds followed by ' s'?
10 h 31 min
